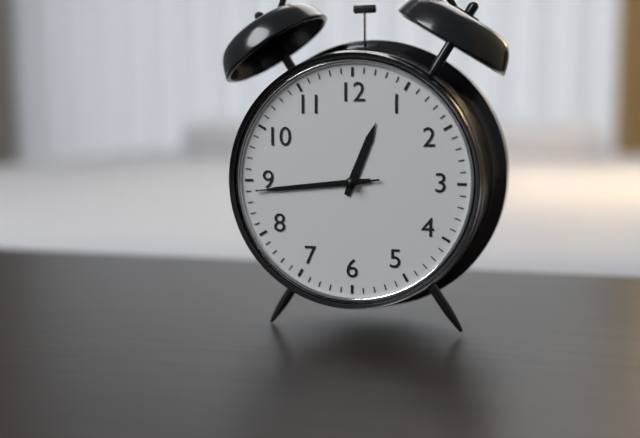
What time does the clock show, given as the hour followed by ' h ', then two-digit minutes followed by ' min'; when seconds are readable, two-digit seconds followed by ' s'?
12 h 44 min 44 s
